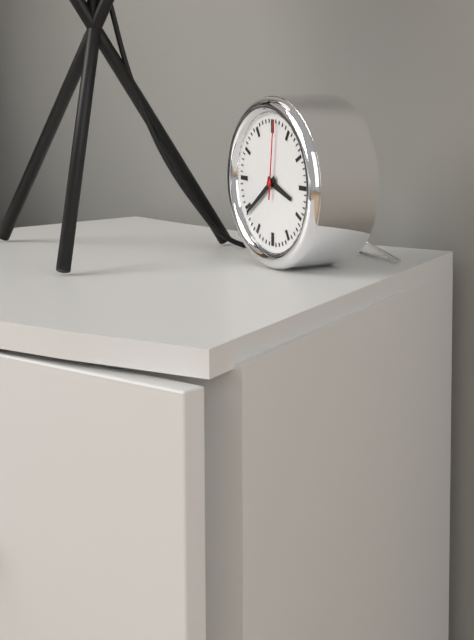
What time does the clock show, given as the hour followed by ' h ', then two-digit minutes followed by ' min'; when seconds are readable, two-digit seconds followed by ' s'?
3 h 39 min 01 s
